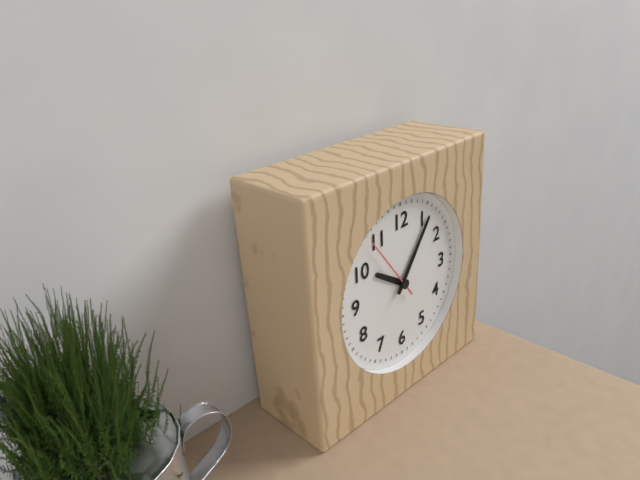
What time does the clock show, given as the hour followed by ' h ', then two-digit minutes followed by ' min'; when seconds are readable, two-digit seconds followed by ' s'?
10 h 06 min 54 s
